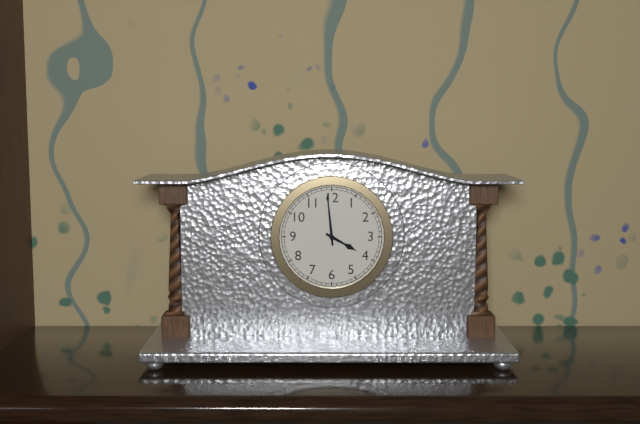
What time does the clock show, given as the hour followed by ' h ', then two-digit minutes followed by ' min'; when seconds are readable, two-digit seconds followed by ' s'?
3 h 59 min
